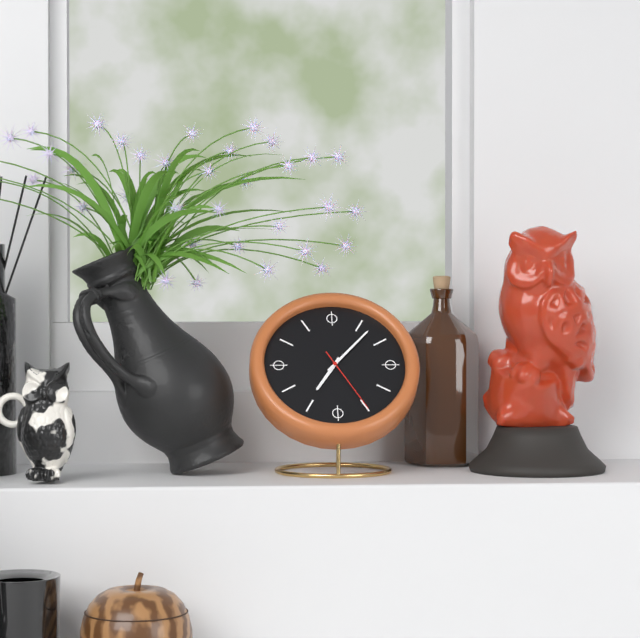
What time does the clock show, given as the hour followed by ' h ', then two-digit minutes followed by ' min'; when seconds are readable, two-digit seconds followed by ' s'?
7 h 07 min 25 s
